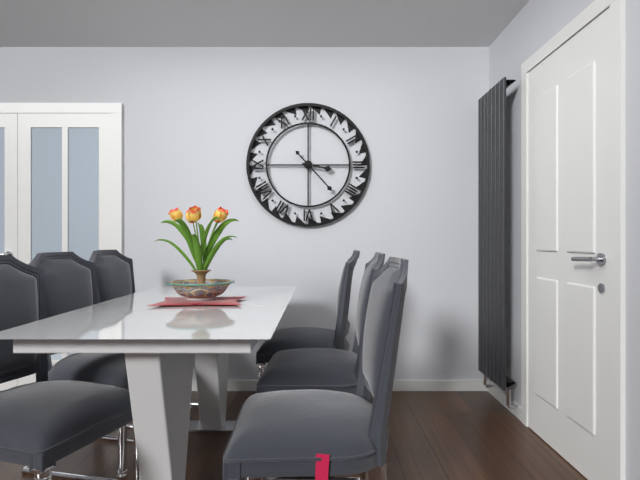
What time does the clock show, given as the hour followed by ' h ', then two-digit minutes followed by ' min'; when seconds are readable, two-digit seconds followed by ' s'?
3 h 23 min
